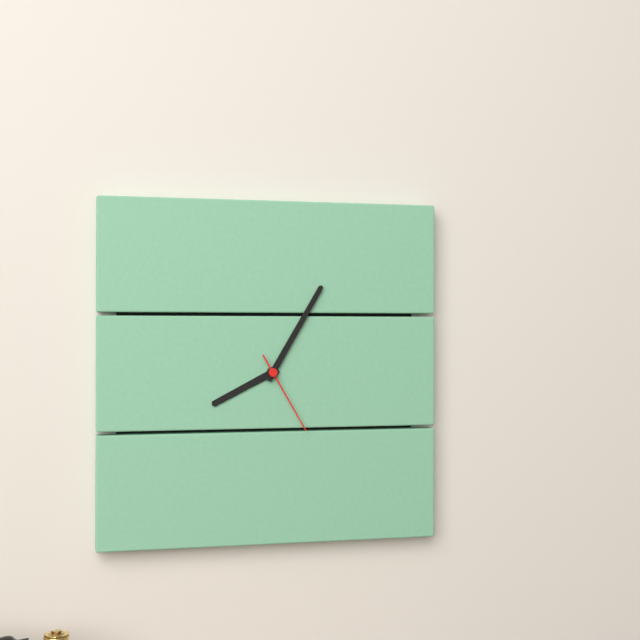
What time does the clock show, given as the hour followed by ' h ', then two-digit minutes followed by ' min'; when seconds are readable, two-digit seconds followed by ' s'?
8 h 05 min 25 s
